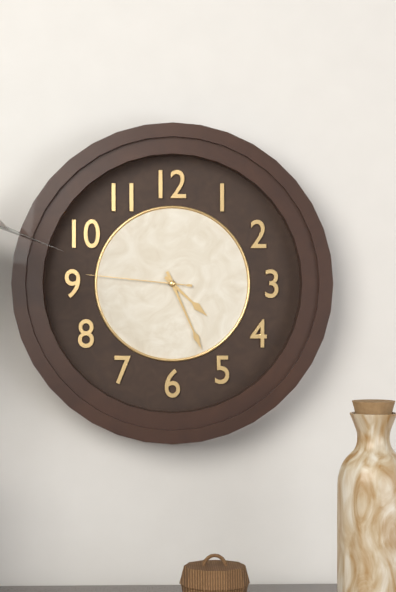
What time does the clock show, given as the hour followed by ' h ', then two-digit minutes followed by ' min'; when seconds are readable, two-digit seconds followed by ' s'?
4 h 26 min 46 s
